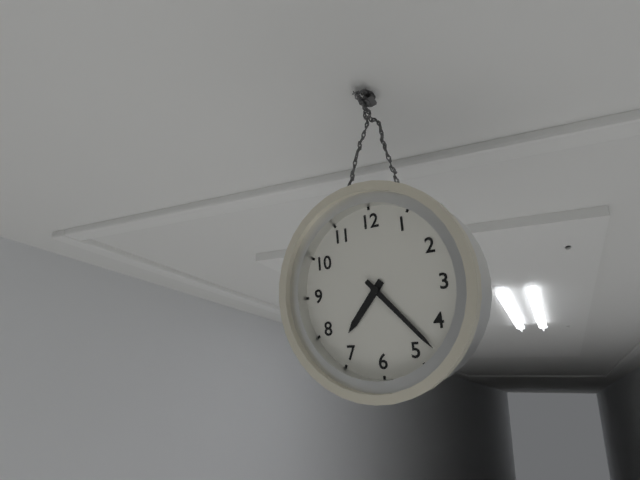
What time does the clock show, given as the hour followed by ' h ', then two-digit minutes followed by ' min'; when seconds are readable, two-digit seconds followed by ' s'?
7 h 23 min
